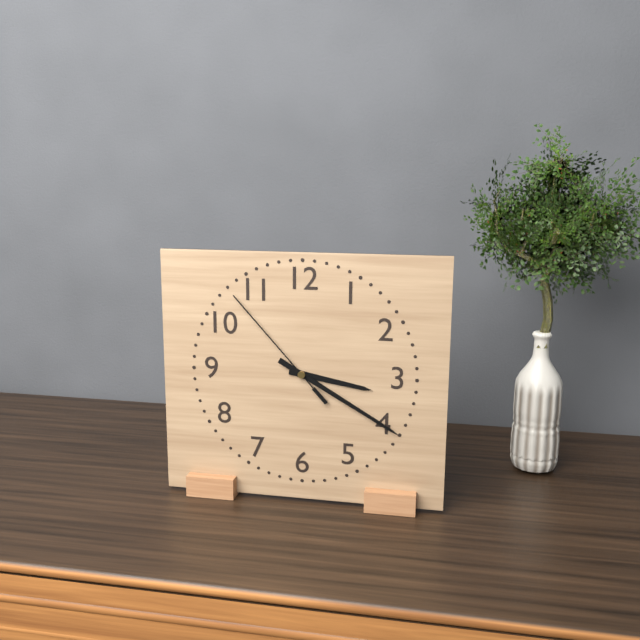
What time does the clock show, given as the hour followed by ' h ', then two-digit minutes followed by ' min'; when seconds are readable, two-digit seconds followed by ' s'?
3 h 20 min 53 s
